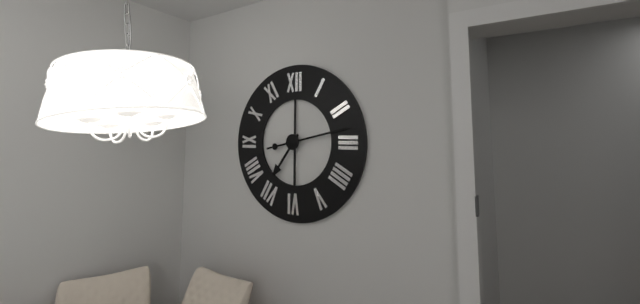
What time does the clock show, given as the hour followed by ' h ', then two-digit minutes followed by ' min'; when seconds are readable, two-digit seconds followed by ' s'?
7 h 13 min
